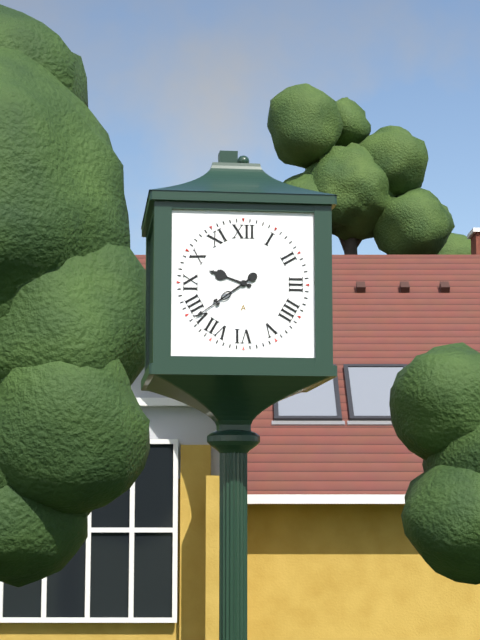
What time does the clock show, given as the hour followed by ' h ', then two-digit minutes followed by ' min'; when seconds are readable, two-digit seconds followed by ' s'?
9 h 39 min
